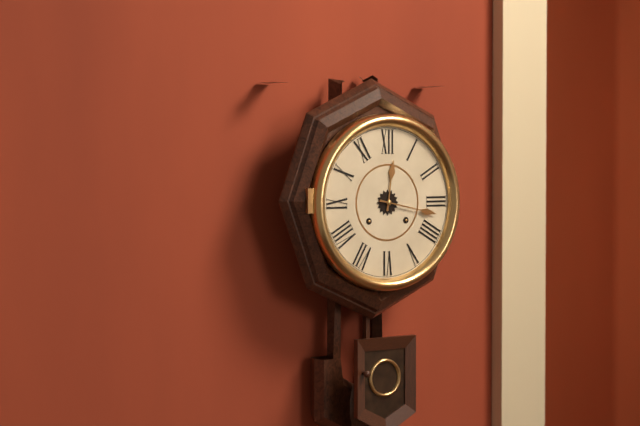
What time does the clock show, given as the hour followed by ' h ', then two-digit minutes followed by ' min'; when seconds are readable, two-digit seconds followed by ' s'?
12 h 17 min
